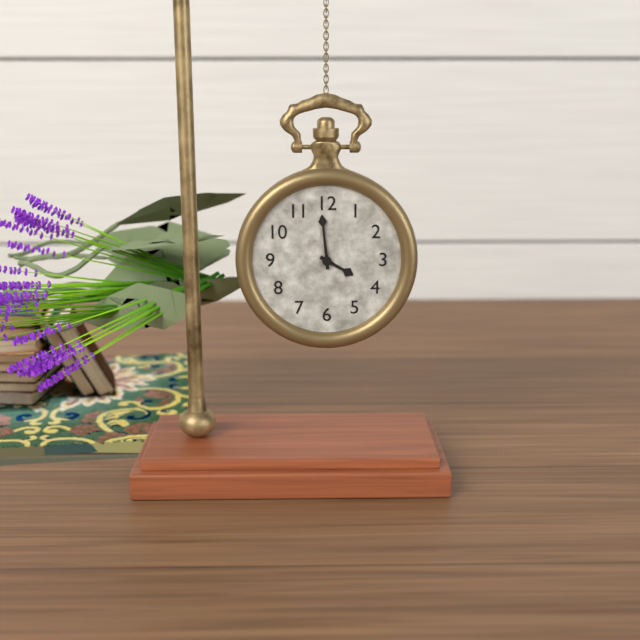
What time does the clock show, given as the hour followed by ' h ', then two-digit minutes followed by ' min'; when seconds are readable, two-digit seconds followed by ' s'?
3 h 59 min
